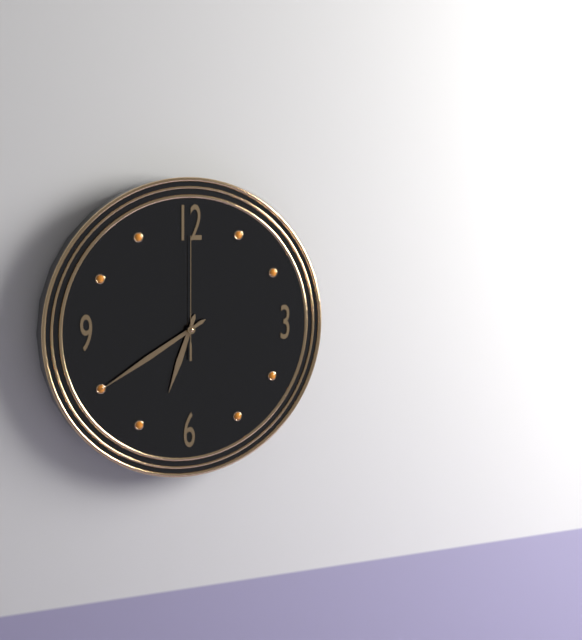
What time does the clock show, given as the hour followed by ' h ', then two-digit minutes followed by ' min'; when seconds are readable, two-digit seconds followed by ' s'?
6 h 40 min 00 s
